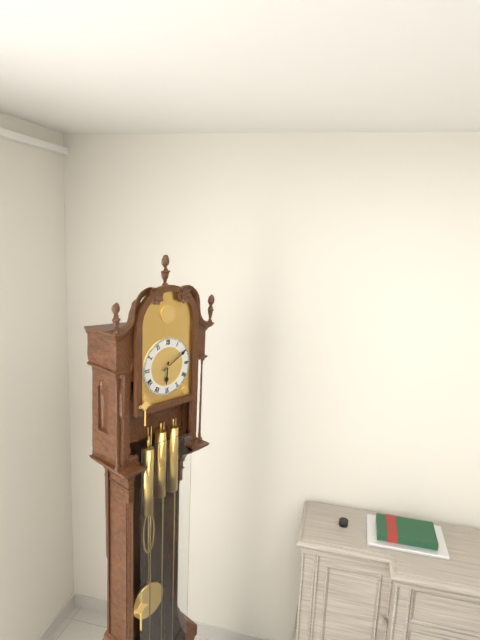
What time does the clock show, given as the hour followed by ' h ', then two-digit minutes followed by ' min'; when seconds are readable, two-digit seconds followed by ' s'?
6 h 10 min
